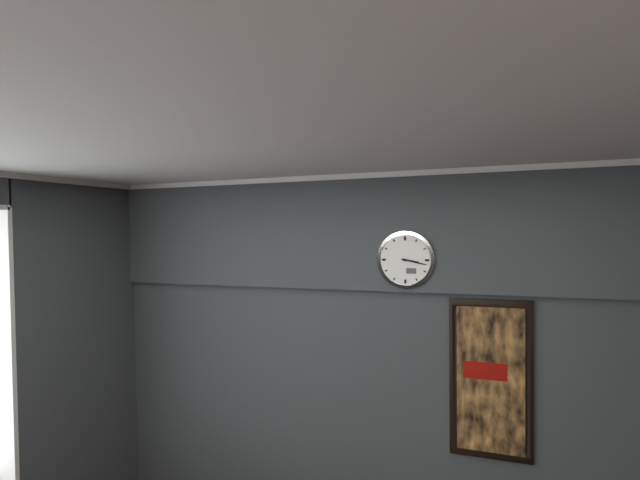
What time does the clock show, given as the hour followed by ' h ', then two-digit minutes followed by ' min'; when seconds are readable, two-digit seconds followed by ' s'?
3 h 17 min
